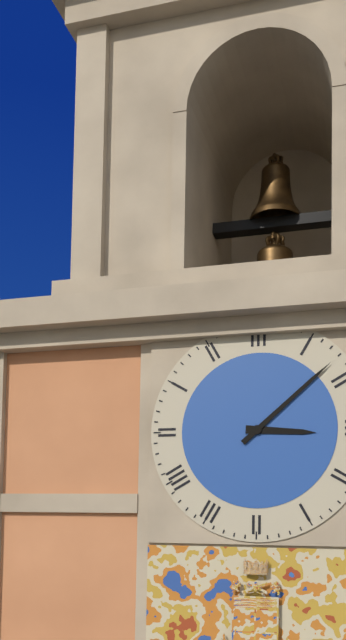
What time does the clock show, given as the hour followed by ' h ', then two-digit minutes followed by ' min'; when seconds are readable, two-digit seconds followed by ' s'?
3 h 08 min
